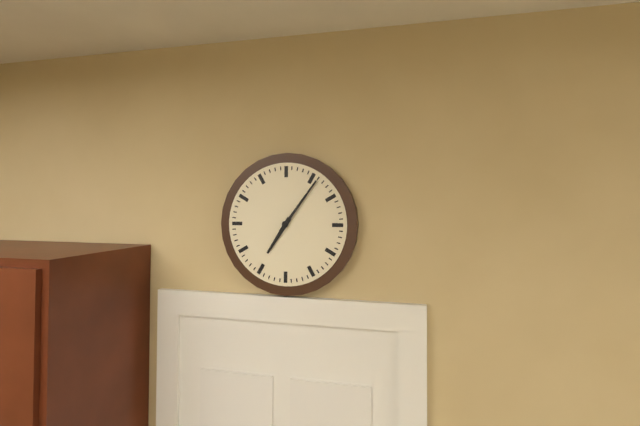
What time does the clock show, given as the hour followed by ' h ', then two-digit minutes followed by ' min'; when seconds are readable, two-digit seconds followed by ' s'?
7 h 06 min
